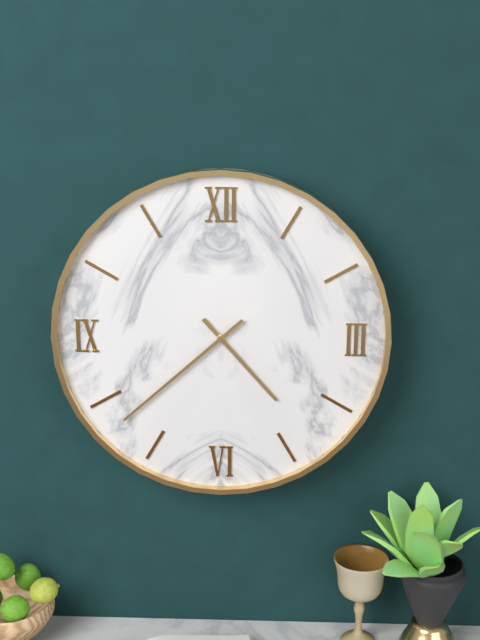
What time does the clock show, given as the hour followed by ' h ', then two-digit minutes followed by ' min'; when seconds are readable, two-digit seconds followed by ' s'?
4 h 38 min
